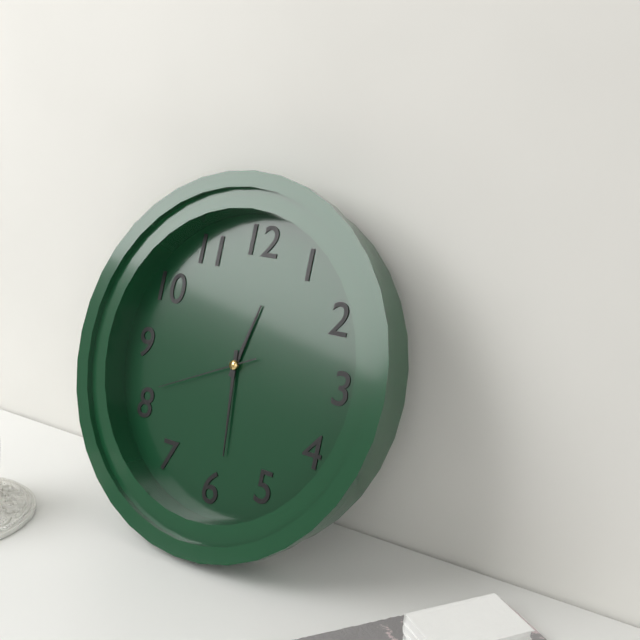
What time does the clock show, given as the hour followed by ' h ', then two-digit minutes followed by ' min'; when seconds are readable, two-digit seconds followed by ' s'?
12 h 29 min 41 s
